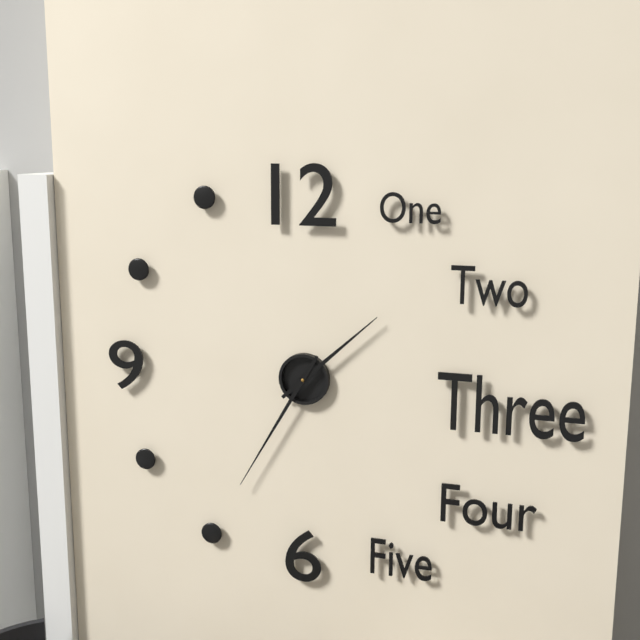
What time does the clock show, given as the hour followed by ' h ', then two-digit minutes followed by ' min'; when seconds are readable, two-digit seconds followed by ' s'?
1 h 35 min
